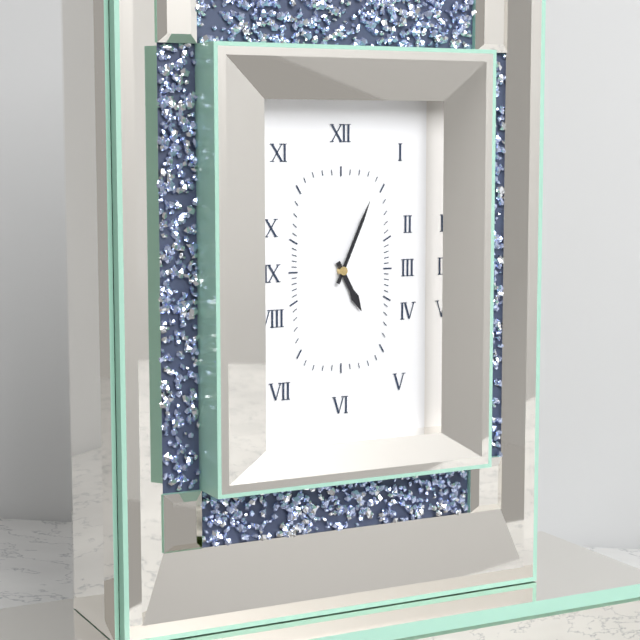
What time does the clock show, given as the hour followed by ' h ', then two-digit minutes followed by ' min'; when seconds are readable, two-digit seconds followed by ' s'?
5 h 04 min
